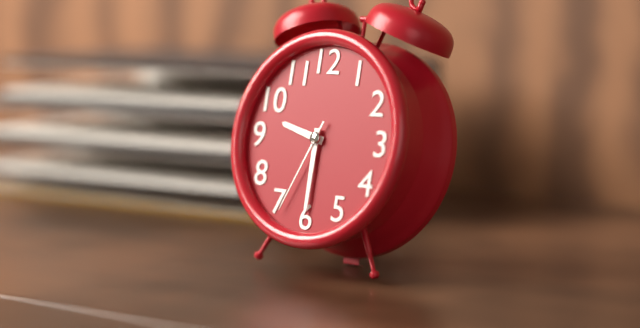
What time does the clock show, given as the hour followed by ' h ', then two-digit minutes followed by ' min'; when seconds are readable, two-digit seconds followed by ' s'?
9 h 30 min 34 s
